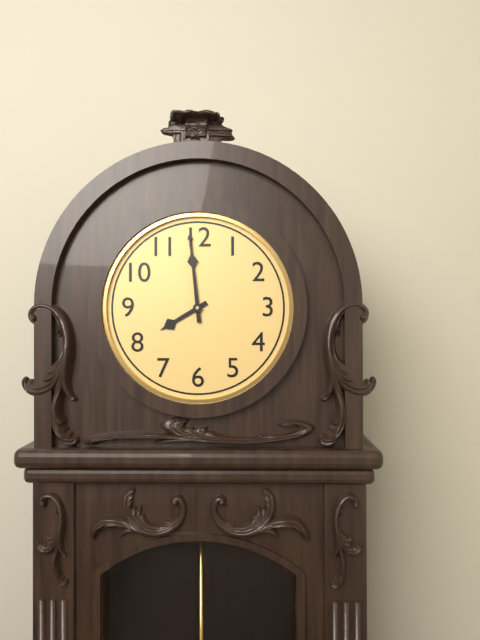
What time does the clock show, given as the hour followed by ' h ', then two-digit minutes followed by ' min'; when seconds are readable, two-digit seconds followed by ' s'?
7 h 59 min
